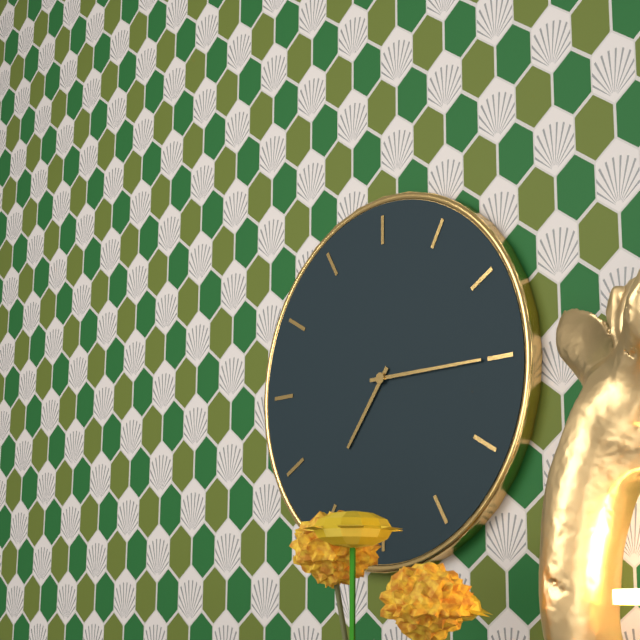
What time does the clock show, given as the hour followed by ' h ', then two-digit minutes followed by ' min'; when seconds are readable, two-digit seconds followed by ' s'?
7 h 15 min
